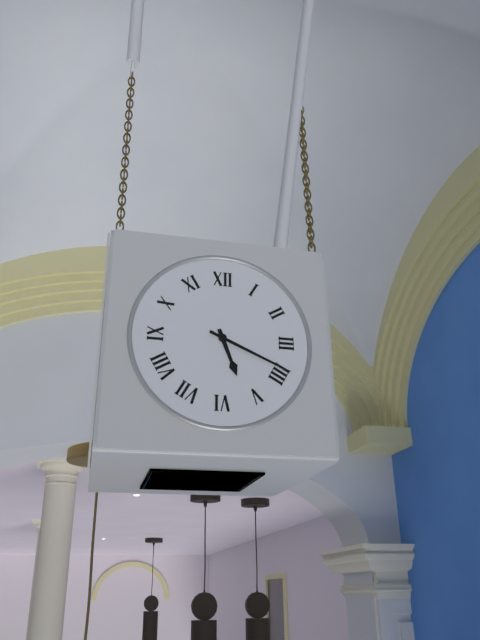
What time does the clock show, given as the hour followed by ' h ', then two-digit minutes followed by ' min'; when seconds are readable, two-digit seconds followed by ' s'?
5 h 19 min
